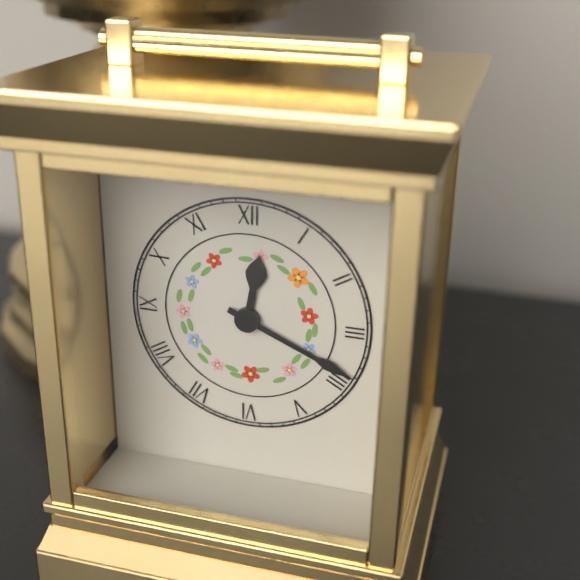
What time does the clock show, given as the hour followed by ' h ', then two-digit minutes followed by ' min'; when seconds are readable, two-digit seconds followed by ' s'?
12 h 19 min
